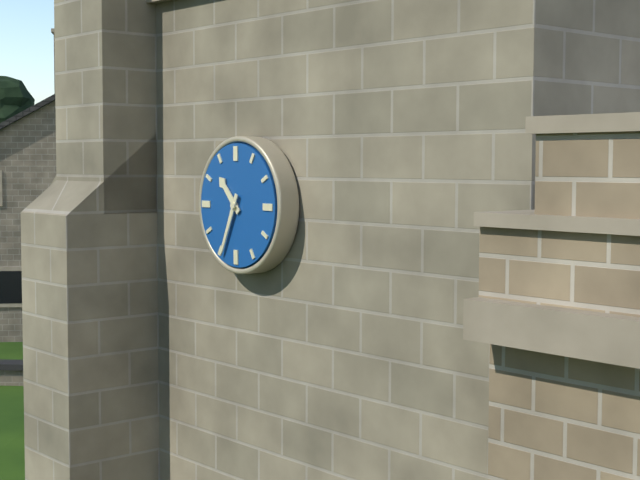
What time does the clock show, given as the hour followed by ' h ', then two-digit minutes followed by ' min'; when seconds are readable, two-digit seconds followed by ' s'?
10 h 34 min
